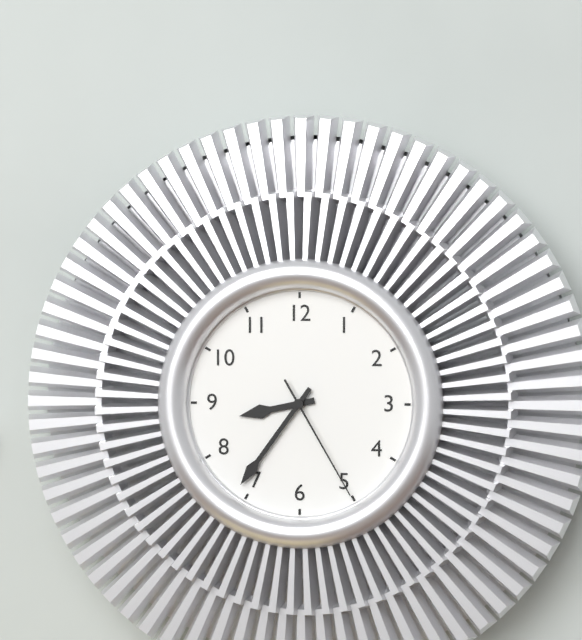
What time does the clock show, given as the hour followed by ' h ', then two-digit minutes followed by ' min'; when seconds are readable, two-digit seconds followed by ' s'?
8 h 36 min 25 s
